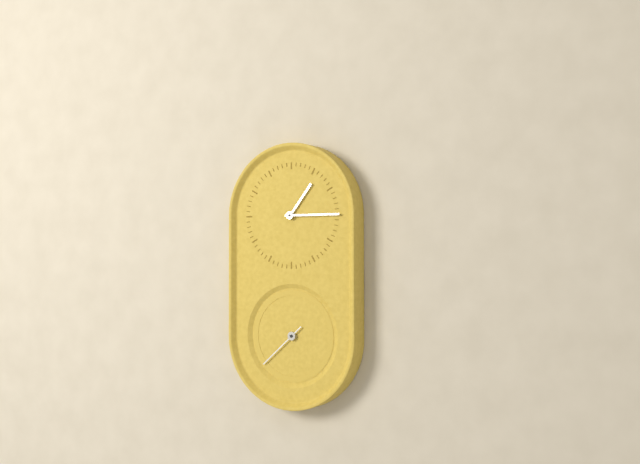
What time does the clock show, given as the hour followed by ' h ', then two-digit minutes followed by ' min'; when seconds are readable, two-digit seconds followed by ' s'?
1 h 15 min 38 s
